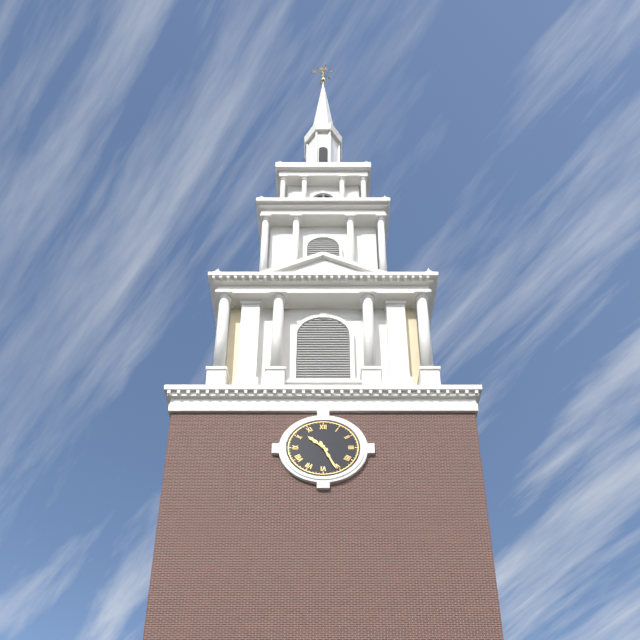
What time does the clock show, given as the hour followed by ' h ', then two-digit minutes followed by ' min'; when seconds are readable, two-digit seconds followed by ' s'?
10 h 26 min
